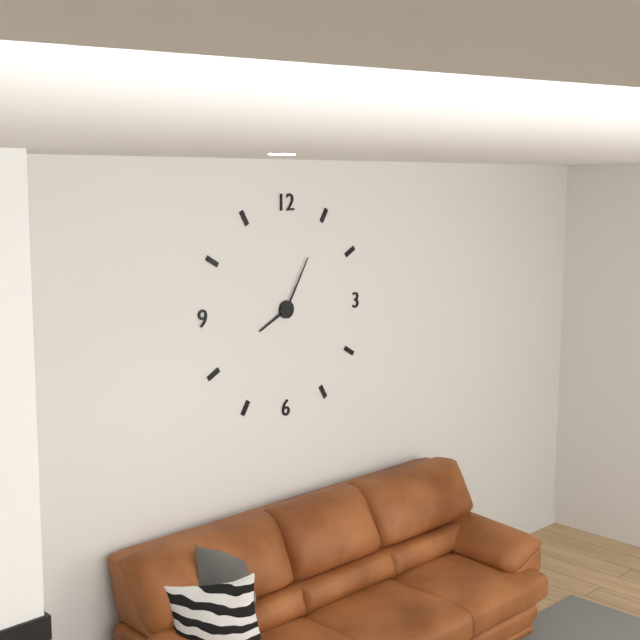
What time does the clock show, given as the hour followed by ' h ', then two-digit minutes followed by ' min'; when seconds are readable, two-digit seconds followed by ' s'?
8 h 05 min
